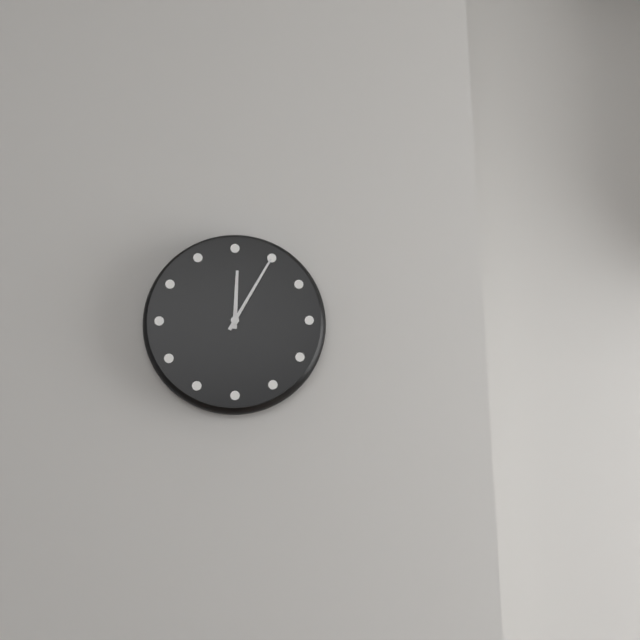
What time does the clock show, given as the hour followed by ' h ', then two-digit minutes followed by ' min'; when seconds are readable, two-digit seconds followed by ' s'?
12 h 05 min
